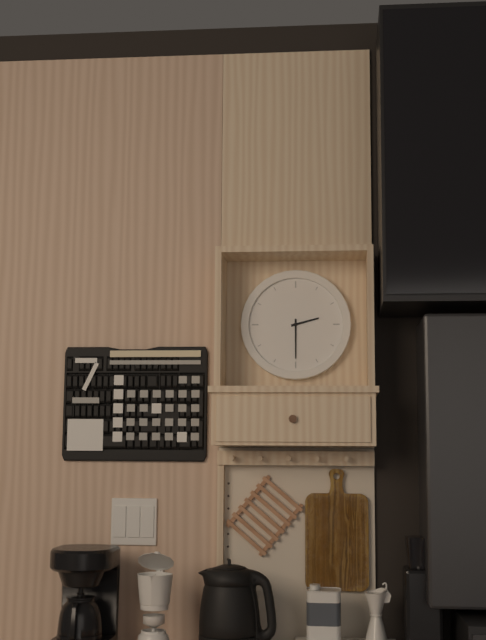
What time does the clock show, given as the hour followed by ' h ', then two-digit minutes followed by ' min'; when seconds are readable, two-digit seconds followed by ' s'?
2 h 30 min
